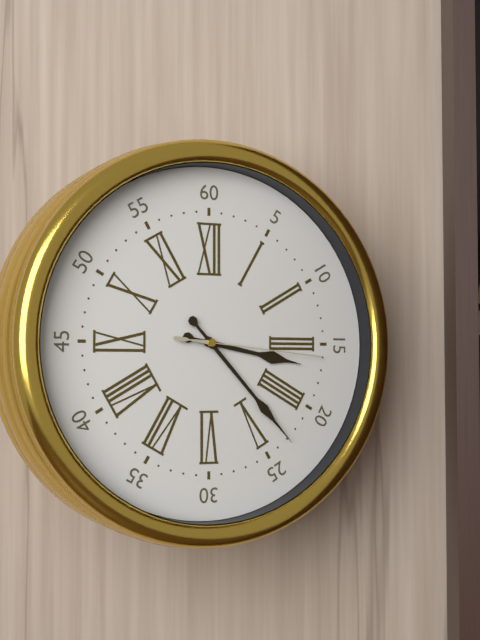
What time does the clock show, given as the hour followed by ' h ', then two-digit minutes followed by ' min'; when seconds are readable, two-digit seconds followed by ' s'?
3 h 23 min 16 s
